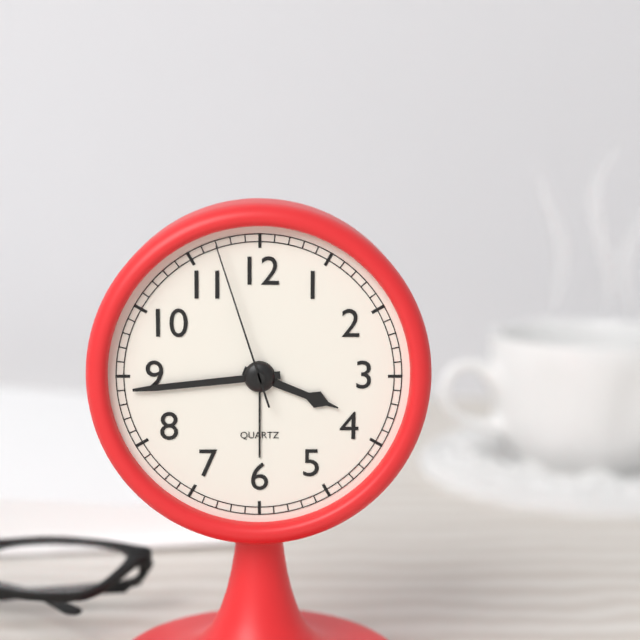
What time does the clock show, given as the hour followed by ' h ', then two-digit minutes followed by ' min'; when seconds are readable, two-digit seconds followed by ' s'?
3 h 44 min 57 s
